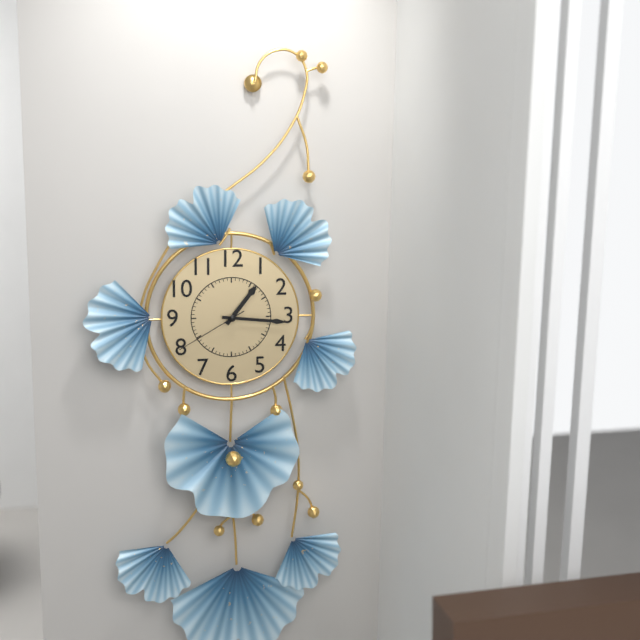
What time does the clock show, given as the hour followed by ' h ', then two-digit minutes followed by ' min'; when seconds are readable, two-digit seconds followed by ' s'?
1 h 16 min 40 s
